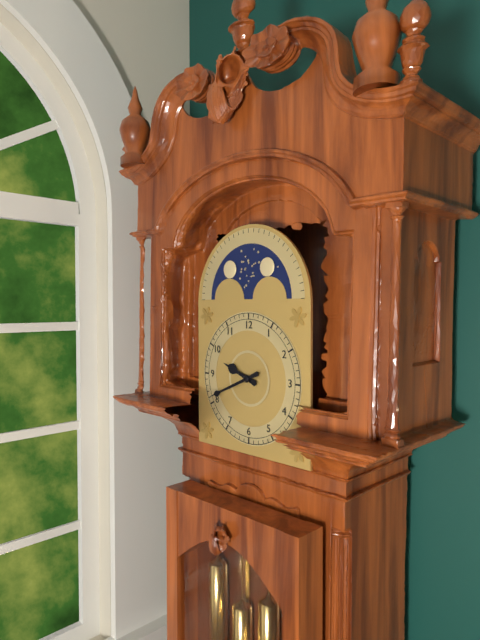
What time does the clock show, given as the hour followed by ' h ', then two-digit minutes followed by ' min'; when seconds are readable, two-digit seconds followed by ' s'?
9 h 41 min
